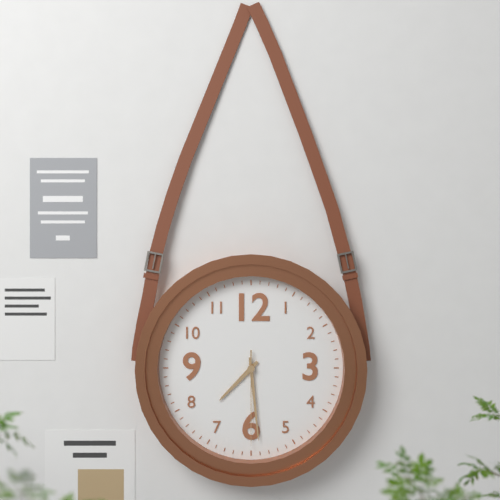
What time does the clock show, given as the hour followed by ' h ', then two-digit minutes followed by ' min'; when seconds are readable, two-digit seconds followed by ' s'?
7 h 29 min 30 s
